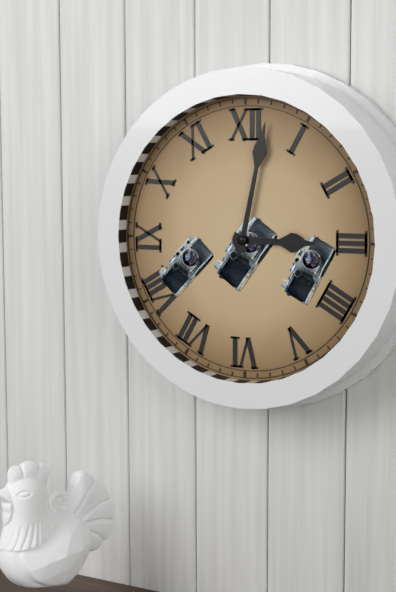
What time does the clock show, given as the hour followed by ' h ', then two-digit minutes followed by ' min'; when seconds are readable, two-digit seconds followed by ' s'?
3 h 02 min
